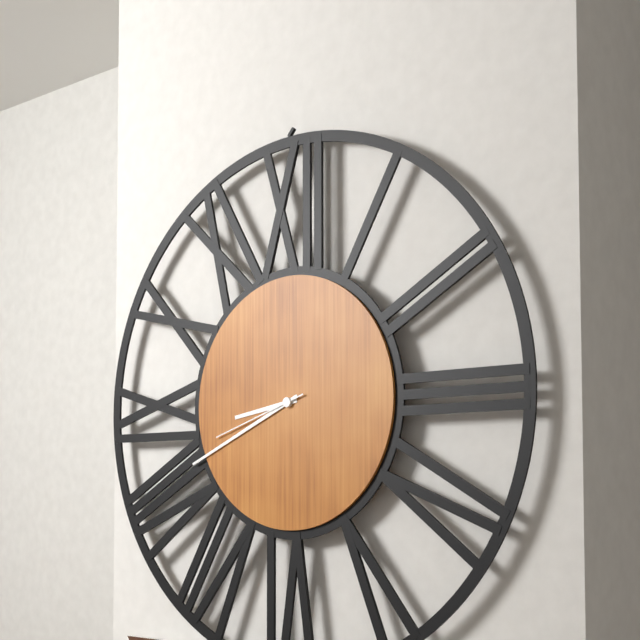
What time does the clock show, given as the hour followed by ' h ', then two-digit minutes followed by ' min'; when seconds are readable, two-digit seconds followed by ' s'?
8 h 41 min 42 s
